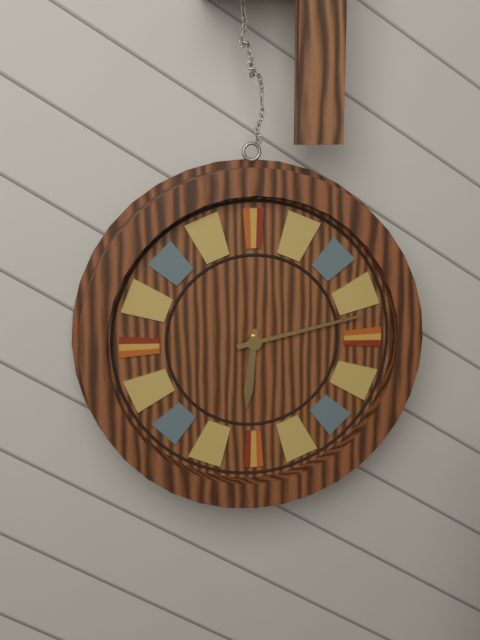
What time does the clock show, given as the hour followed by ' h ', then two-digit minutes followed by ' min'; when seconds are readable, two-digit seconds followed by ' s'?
6 h 13 min
